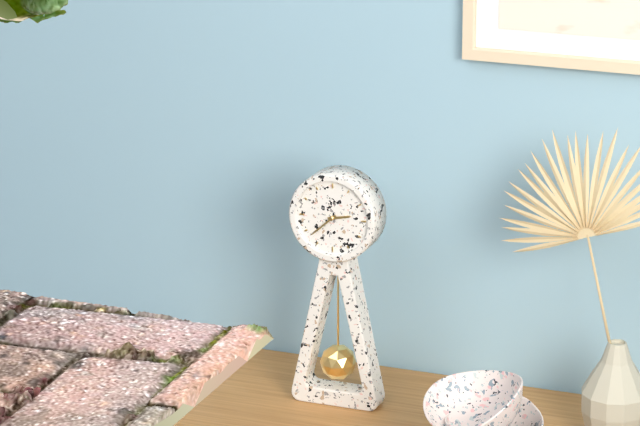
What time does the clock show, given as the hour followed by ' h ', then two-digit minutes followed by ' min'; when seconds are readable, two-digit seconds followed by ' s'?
2 h 38 min
